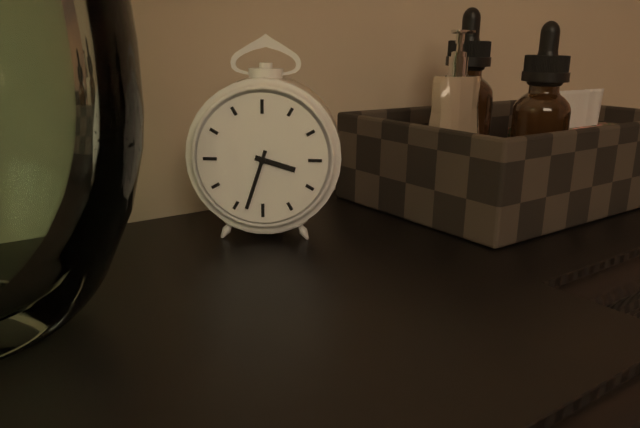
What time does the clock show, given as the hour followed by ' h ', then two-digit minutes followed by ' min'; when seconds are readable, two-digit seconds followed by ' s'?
3 h 33 min
